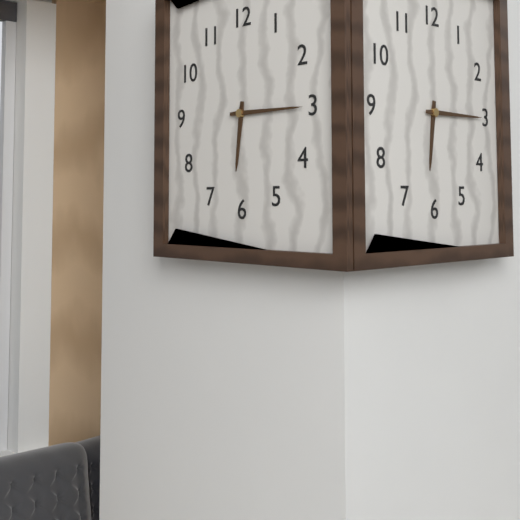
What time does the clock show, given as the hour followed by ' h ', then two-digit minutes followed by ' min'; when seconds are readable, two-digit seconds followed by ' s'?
6 h 15 min
